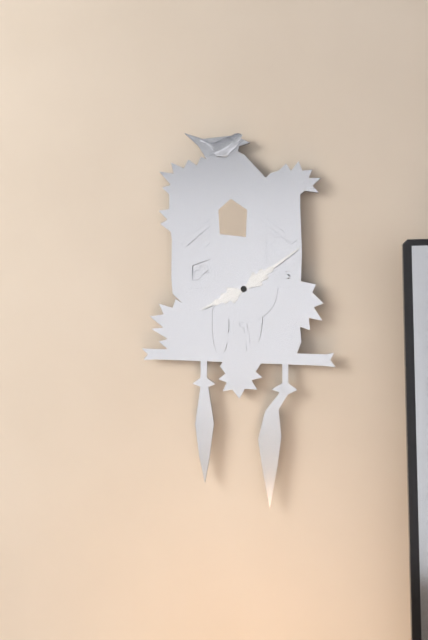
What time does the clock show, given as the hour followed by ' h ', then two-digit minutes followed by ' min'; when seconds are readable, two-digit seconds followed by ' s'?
8 h 09 min
